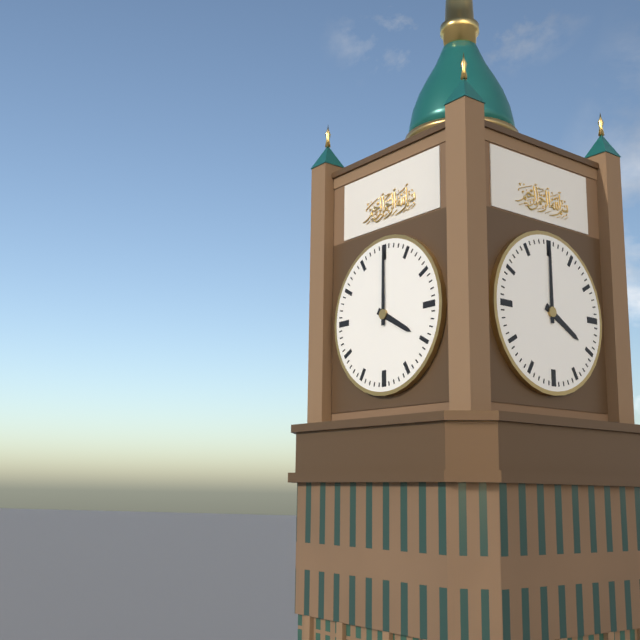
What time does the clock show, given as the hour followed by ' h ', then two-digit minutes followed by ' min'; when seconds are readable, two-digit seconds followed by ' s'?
4 h 00 min
